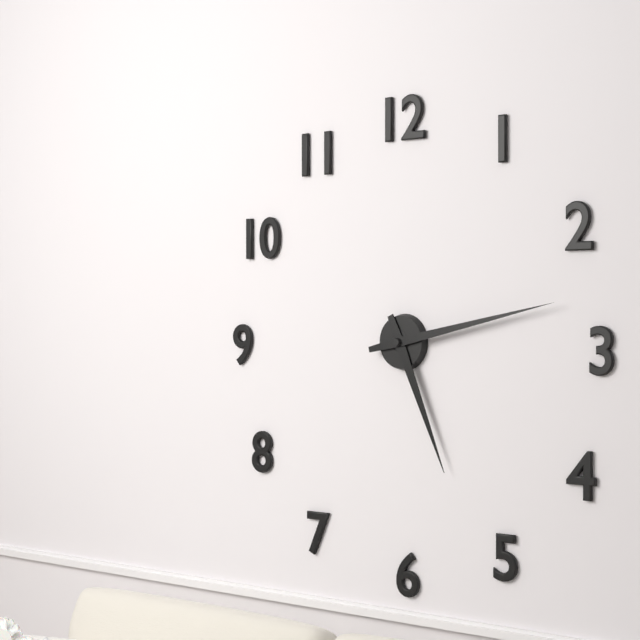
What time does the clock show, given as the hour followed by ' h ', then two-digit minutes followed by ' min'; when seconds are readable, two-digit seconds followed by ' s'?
5 h 13 min
